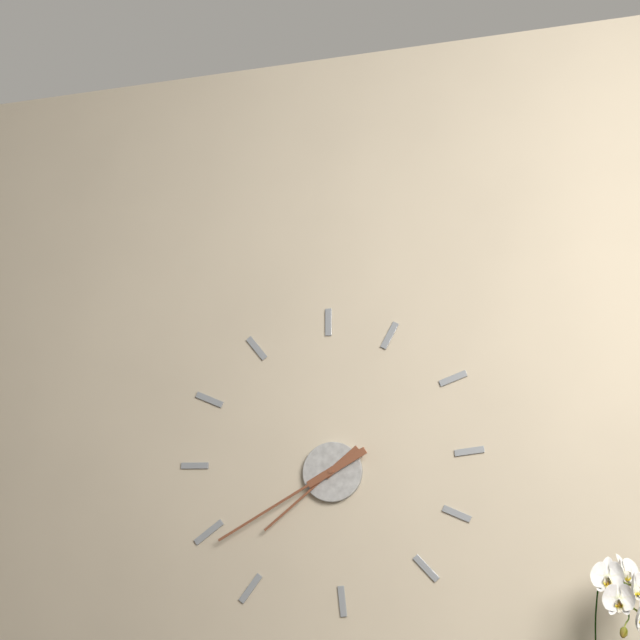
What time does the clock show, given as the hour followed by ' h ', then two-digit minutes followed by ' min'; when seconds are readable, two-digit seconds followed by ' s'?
7 h 40 min
